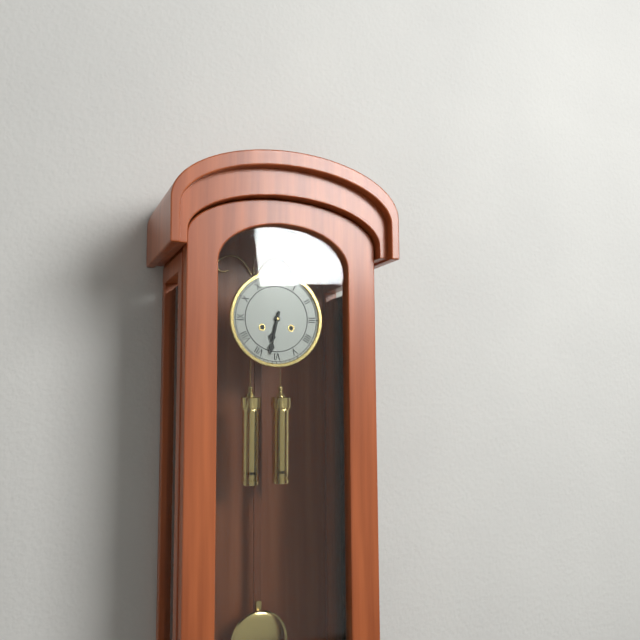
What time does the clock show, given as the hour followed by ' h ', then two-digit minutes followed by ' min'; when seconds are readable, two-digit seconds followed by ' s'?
6 h 32 min
